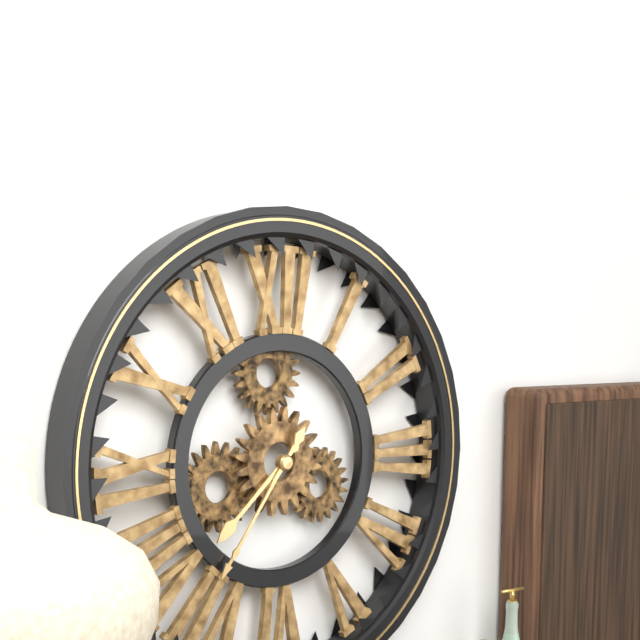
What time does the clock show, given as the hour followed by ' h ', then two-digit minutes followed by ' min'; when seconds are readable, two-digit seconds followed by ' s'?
7 h 36 min
